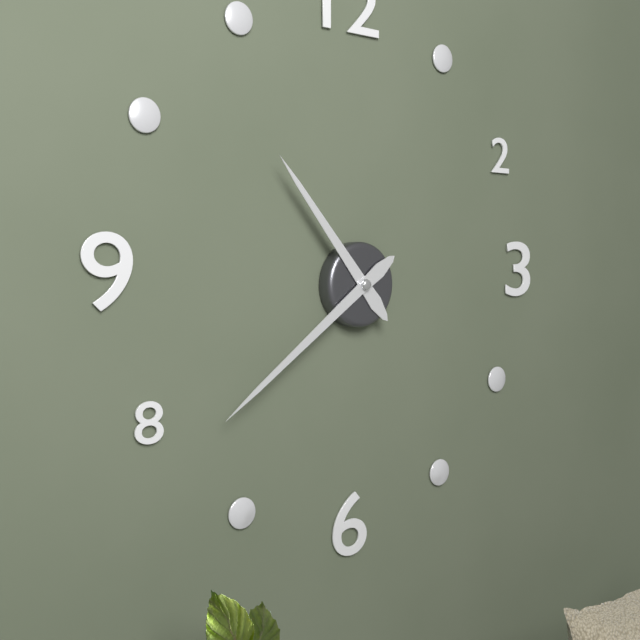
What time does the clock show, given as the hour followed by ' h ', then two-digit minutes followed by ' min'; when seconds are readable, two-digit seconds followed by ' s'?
10 h 39 min
